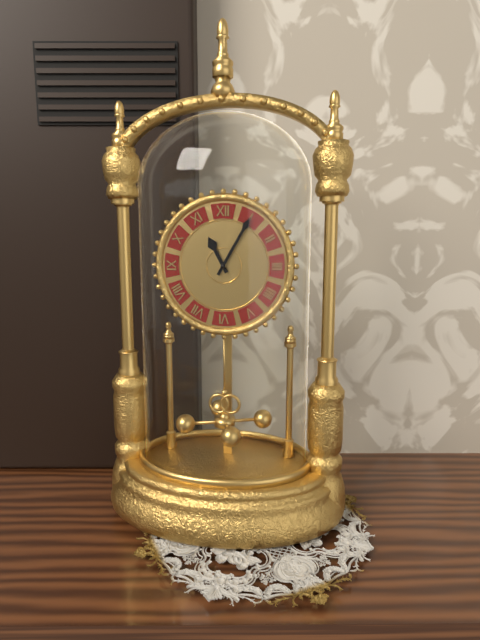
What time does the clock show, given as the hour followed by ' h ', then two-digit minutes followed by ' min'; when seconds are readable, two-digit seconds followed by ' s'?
11 h 05 min
